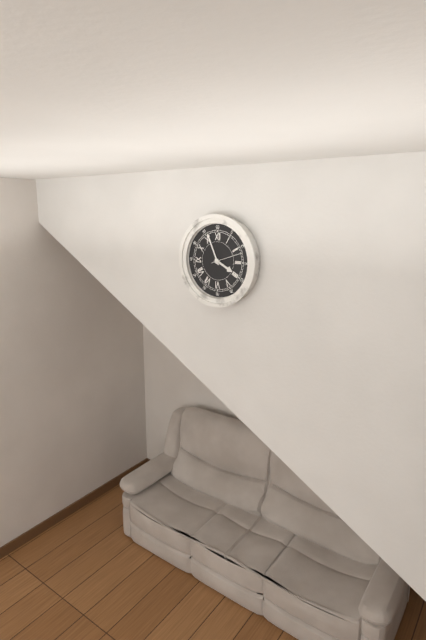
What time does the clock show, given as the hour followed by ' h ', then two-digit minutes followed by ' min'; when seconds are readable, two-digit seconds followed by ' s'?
3 h 56 min
